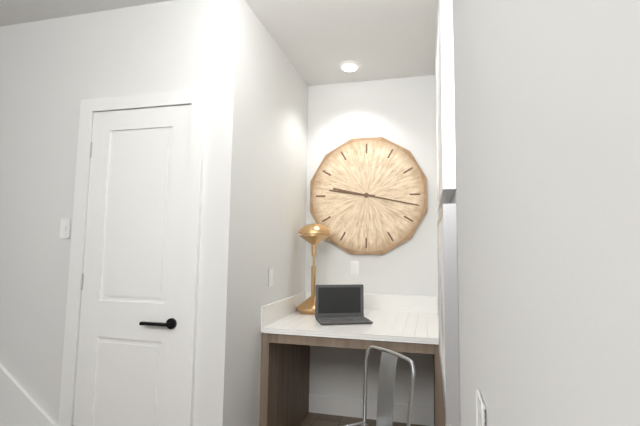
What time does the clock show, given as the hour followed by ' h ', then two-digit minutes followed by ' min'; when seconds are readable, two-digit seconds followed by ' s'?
9 h 17 min
